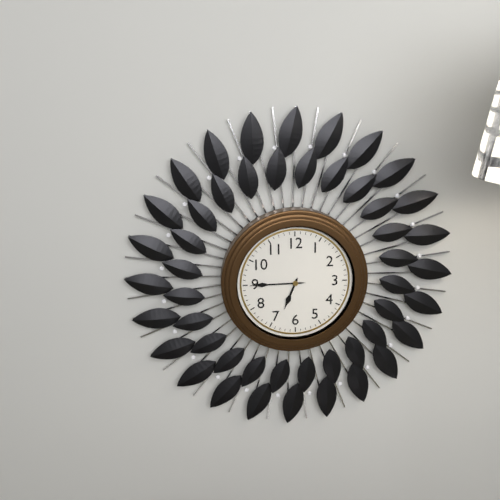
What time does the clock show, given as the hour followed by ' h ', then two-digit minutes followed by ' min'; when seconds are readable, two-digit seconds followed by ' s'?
6 h 45 min
